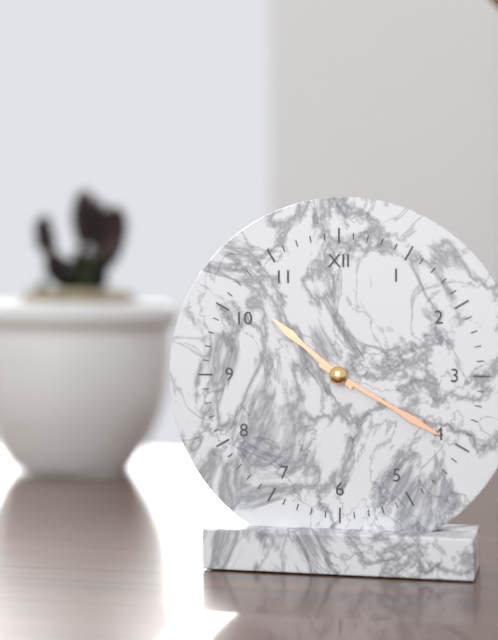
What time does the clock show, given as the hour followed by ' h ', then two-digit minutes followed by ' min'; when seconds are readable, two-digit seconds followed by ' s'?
10 h 20 min
